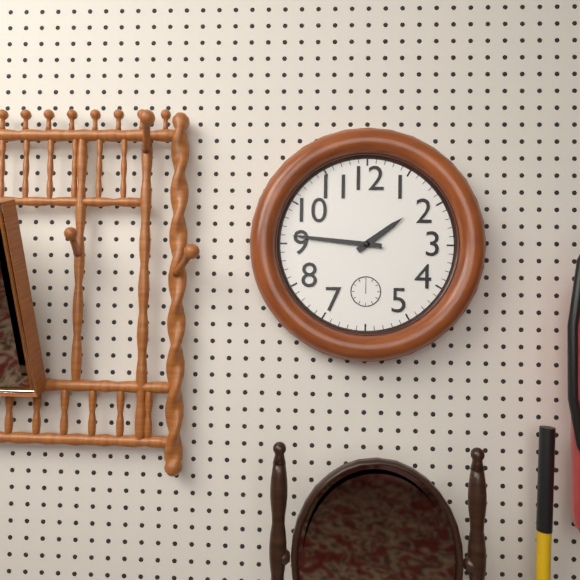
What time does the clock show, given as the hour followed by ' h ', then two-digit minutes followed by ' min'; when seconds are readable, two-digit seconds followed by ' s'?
1 h 46 min
